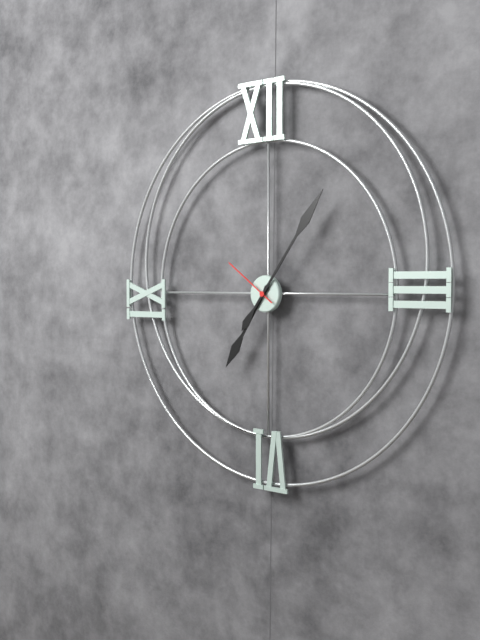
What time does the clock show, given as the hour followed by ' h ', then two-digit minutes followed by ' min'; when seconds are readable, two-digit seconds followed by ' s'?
7 h 06 min 51 s
